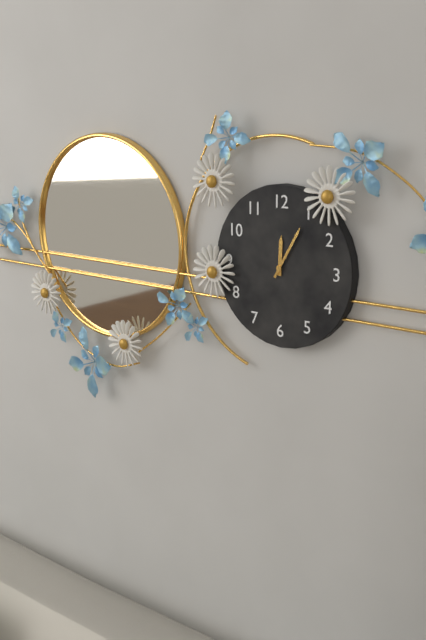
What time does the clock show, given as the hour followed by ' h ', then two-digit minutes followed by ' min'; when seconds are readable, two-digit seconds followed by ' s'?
12 h 05 min
